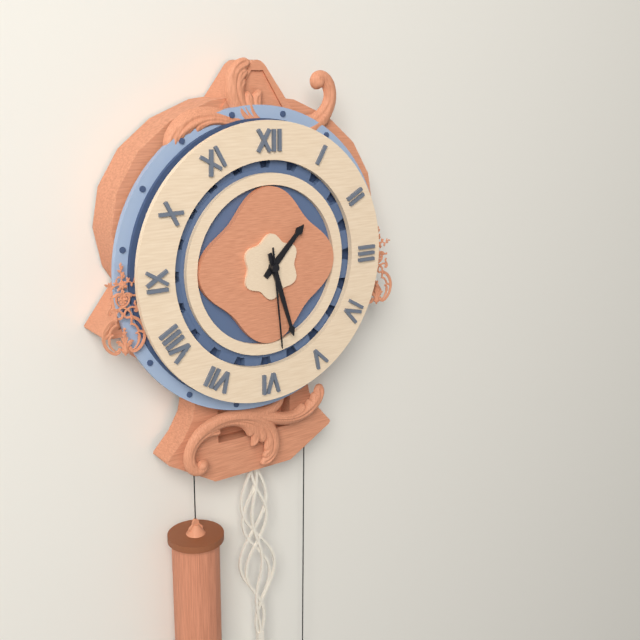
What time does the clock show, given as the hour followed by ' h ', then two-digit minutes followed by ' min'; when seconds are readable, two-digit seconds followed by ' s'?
1 h 27 min 29 s
